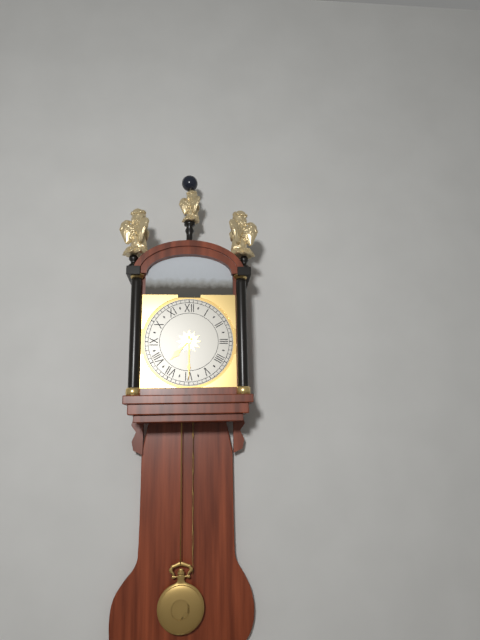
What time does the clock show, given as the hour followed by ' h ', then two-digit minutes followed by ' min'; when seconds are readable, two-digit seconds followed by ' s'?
7 h 30 min
